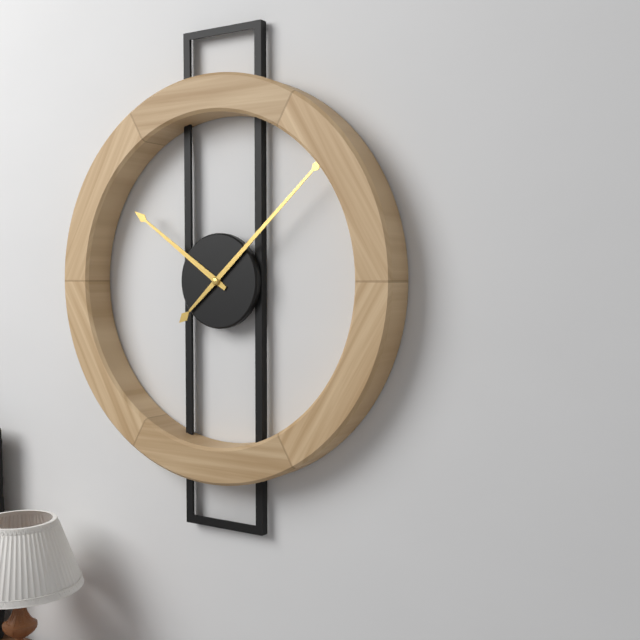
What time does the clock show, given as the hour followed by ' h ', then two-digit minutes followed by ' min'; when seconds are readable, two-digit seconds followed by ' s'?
10 h 08 min
